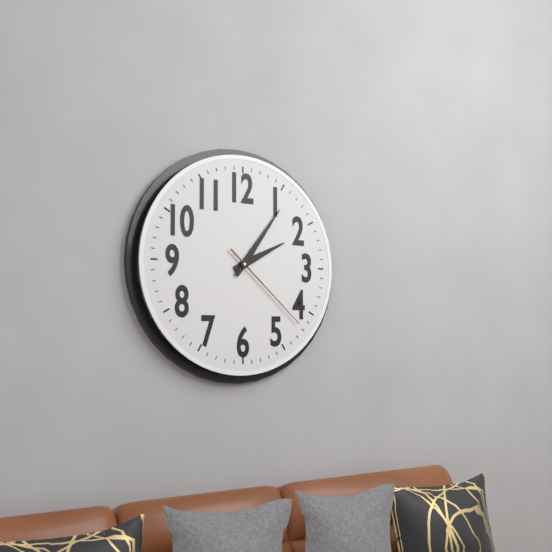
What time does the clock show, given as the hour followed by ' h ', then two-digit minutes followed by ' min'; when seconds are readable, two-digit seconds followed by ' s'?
2 h 06 min 22 s
